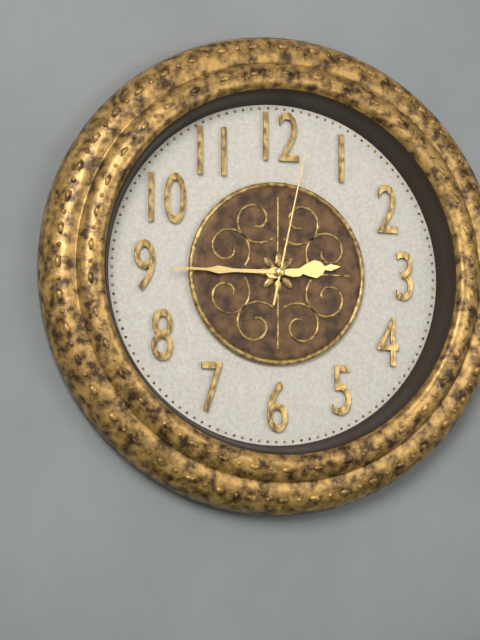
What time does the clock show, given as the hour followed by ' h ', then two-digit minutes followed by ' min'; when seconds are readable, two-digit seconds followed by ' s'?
2 h 45 min 02 s
